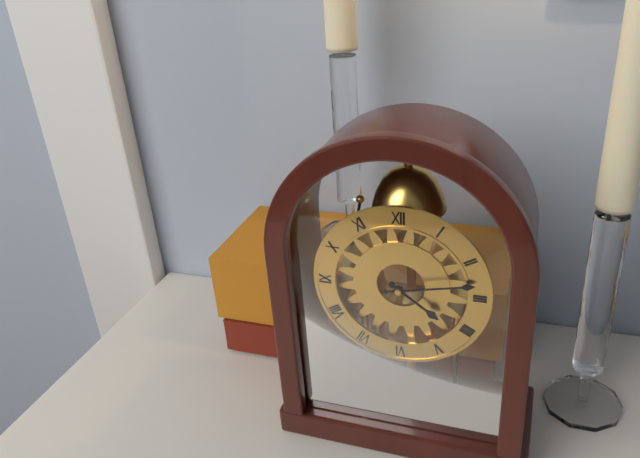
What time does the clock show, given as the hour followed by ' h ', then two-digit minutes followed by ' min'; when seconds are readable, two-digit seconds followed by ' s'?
4 h 13 min
